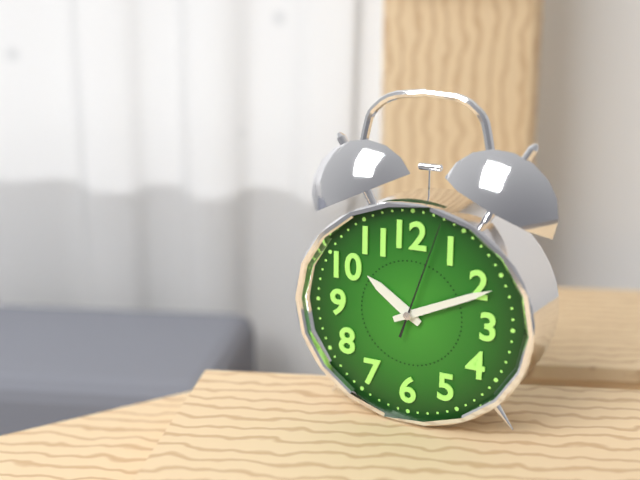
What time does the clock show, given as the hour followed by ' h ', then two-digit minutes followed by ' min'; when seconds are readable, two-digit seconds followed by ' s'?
10 h 11 min 03 s
